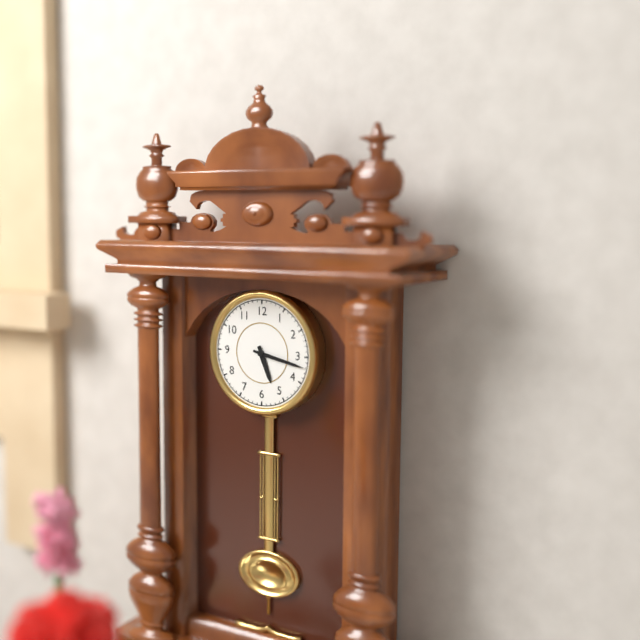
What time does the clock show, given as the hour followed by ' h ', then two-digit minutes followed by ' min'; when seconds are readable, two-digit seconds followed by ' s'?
5 h 17 min
